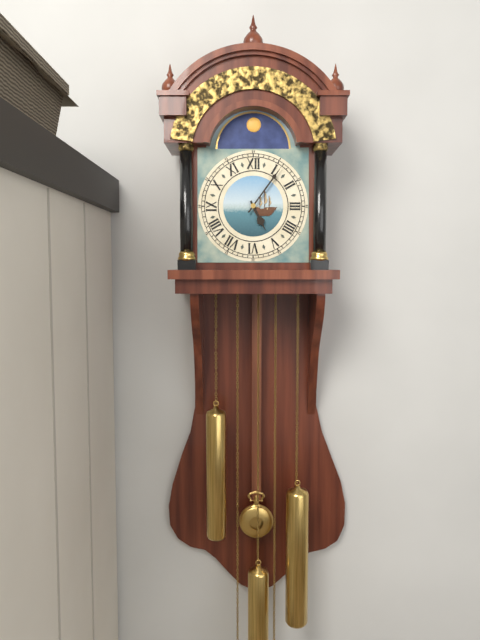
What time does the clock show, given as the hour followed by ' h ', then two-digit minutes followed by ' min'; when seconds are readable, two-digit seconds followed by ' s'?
5 h 06 min
